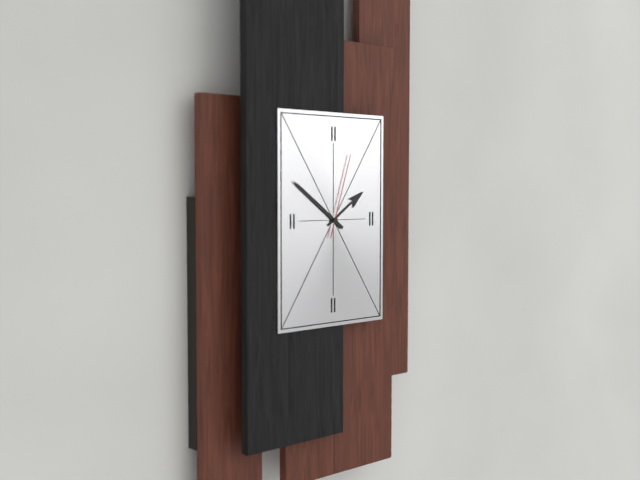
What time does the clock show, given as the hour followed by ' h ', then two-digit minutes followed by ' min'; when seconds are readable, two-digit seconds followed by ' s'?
1 h 51 min 03 s
